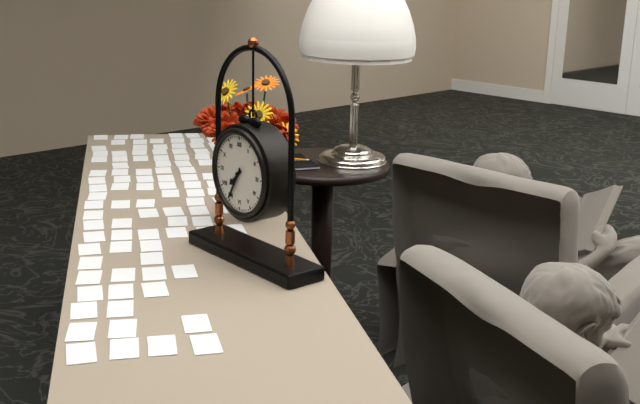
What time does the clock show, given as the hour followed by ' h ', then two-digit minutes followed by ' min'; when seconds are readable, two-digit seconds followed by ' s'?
7 h 35 min
